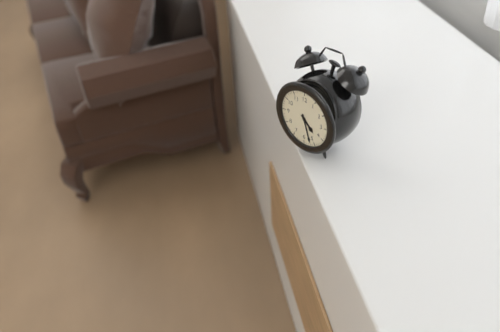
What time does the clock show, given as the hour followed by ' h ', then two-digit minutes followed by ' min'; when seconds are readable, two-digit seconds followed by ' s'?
4 h 27 min
